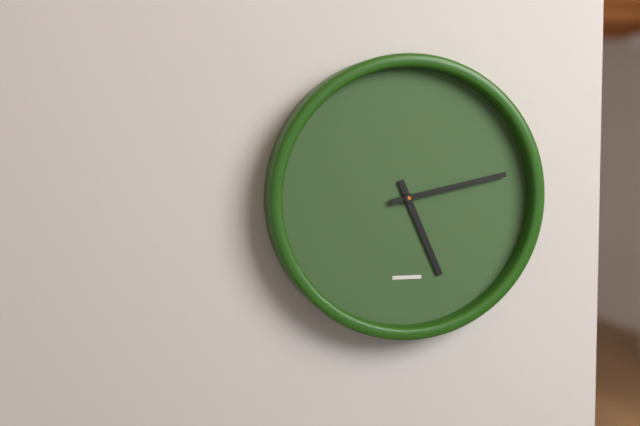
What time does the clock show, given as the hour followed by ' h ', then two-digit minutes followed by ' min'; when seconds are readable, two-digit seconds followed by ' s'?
5 h 13 min
